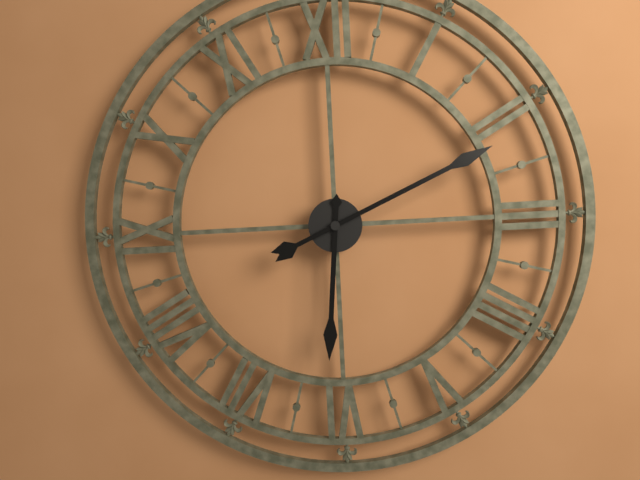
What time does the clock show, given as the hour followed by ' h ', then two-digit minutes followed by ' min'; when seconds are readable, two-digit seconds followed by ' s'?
6 h 11 min
